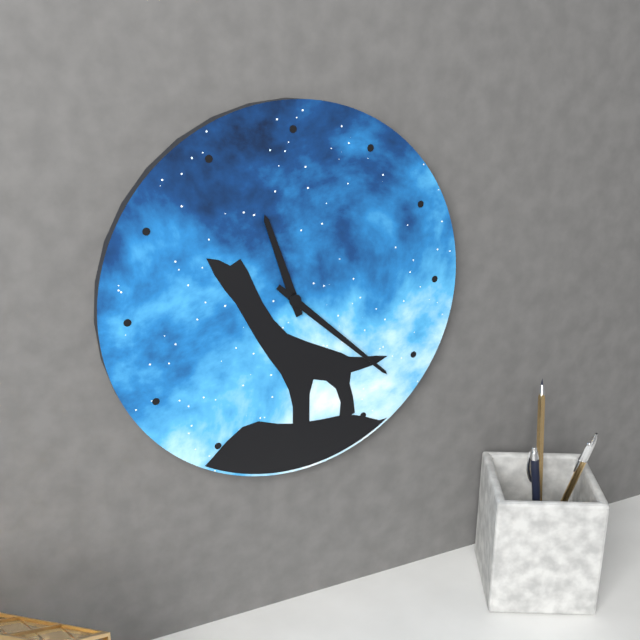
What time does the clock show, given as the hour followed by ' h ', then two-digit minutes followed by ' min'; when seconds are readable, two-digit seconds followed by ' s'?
11 h 22 min
